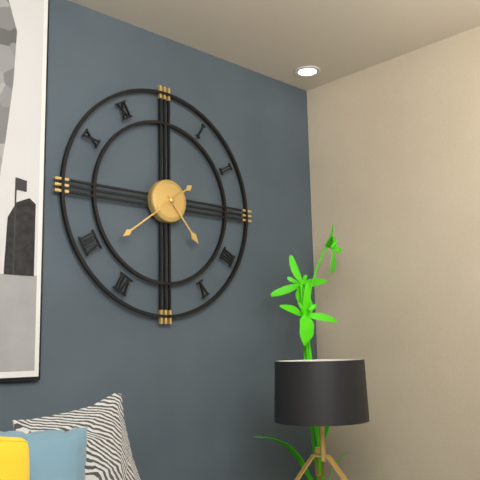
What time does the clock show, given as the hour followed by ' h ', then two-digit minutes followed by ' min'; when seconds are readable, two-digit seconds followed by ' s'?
4 h 39 min
